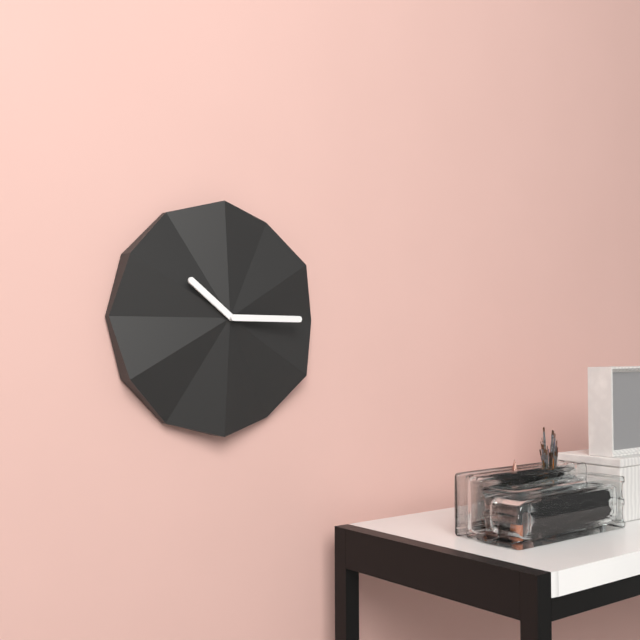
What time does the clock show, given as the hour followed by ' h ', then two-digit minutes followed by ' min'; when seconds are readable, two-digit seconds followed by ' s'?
10 h 15 min
